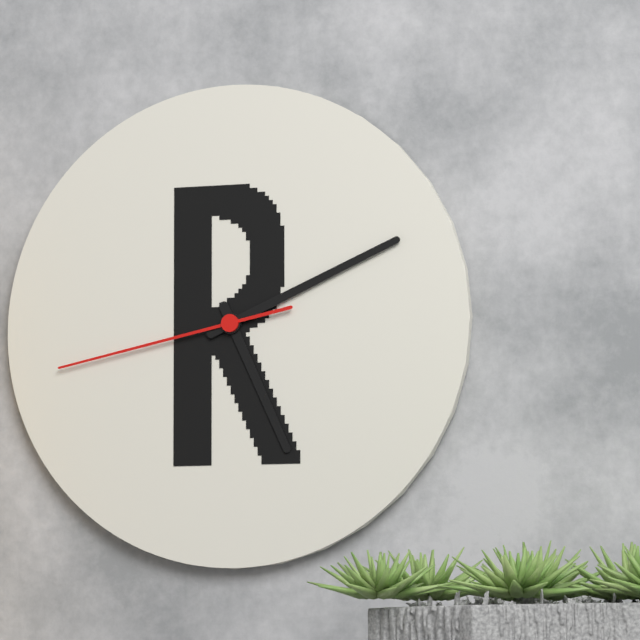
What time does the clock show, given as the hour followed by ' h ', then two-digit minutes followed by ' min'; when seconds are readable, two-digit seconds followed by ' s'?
5 h 11 min 43 s
